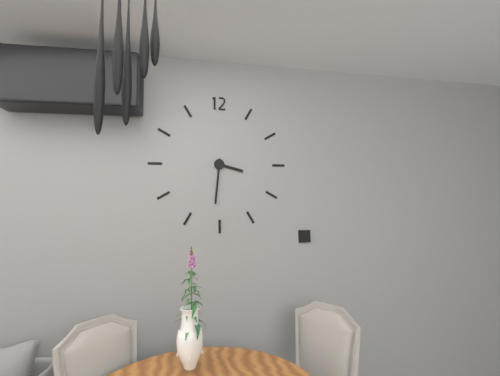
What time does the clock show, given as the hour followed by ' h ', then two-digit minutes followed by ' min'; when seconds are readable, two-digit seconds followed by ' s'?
3 h 31 min
